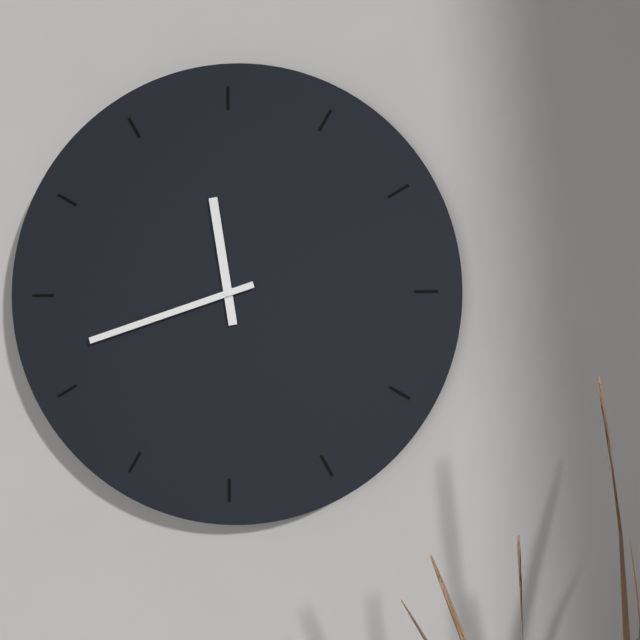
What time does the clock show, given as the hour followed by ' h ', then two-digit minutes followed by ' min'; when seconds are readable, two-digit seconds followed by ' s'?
11 h 42 min
